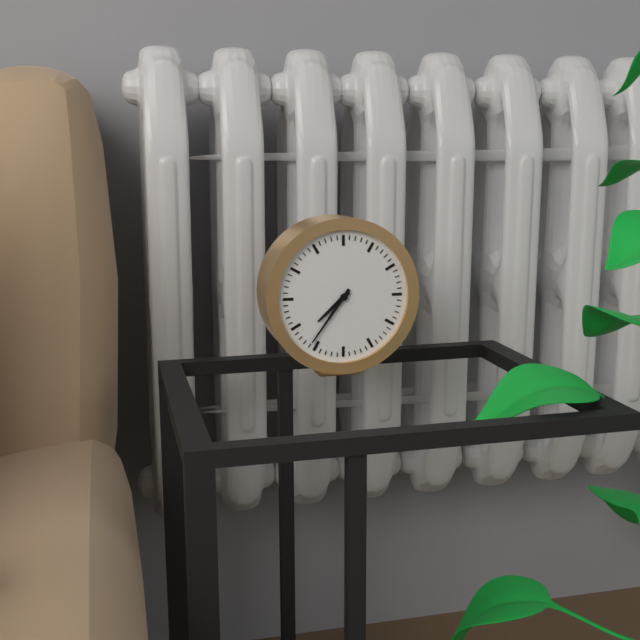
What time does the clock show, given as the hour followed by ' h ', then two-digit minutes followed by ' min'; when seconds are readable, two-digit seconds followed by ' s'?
7 h 36 min
